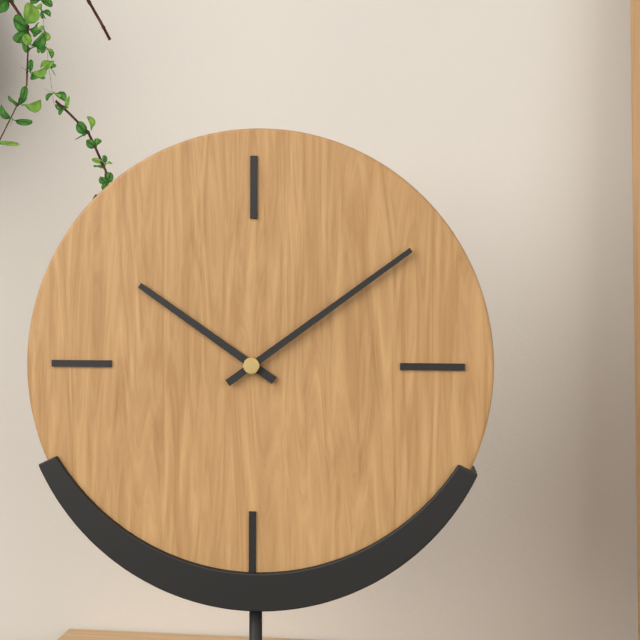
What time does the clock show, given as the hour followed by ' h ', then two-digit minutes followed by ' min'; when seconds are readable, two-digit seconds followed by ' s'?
10 h 09 min
